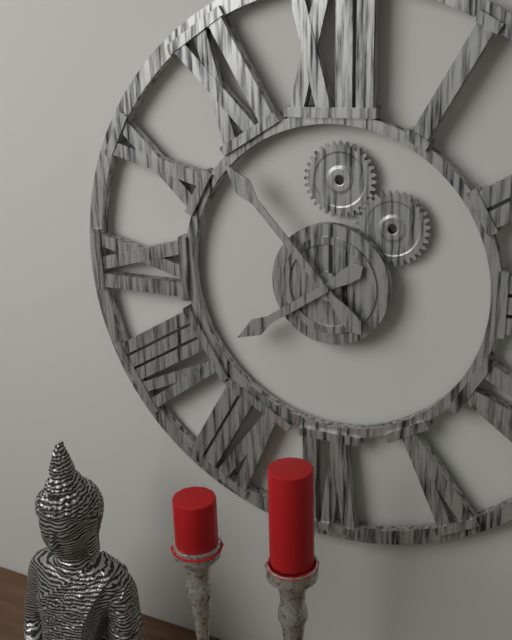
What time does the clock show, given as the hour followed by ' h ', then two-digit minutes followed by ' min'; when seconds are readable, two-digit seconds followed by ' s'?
7 h 53 min
